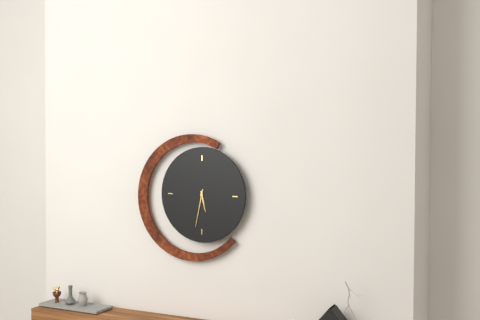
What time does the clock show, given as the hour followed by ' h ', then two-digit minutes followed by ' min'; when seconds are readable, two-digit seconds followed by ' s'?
5 h 32 min
